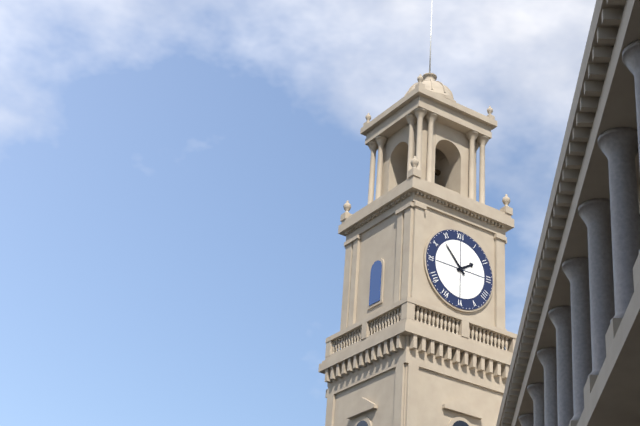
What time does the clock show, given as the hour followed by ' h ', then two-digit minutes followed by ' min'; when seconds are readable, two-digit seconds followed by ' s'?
1 h 53 min
